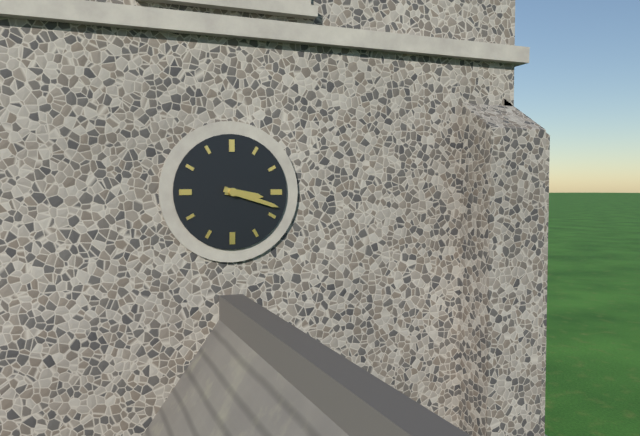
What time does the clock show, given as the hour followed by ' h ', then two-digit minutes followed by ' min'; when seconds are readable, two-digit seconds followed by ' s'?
3 h 18 min
